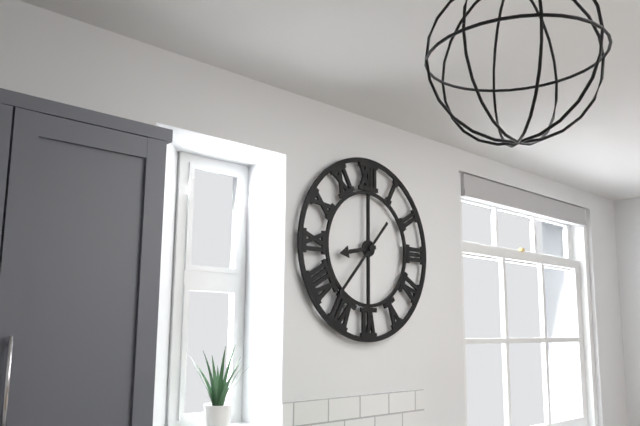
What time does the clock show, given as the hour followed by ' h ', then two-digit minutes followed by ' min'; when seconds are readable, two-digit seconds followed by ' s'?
8 h 37 min
